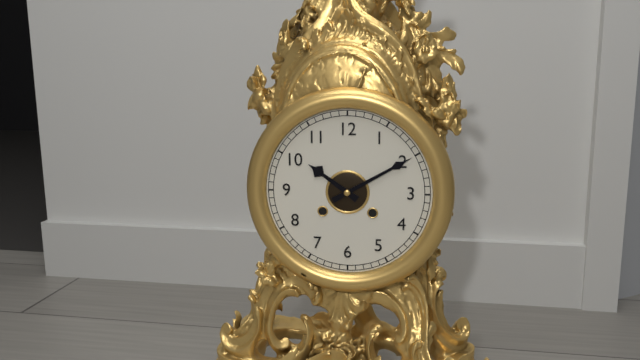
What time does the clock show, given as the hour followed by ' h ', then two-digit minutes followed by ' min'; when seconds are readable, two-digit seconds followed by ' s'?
10 h 10 min
